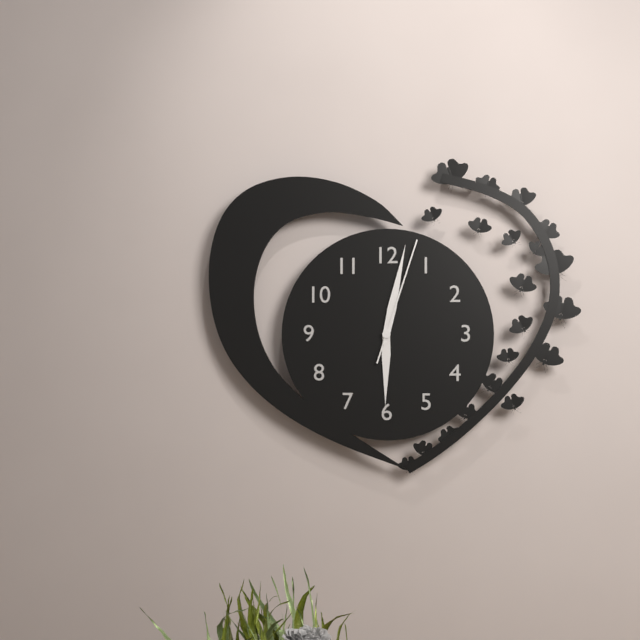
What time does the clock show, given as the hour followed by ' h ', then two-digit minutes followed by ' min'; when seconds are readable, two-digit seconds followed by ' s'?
6 h 02 min 03 s
